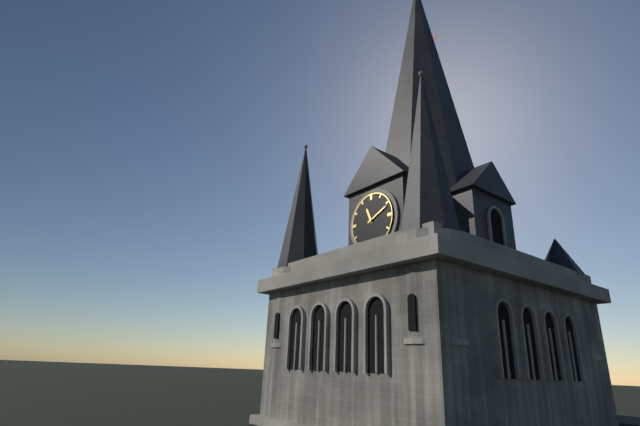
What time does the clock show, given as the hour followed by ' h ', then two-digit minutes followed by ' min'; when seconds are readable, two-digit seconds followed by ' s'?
11 h 11 min
